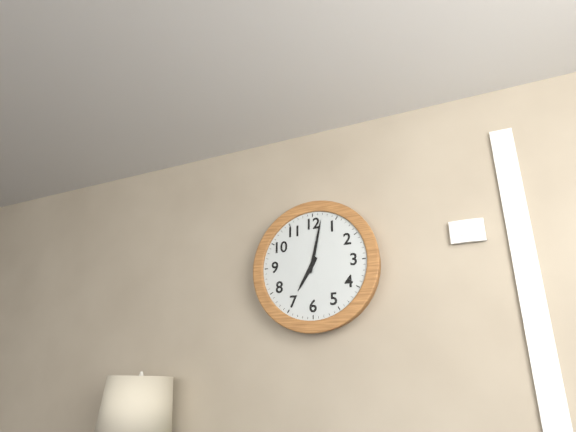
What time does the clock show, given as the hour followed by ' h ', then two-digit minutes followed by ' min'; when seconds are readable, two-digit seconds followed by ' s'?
7 h 02 min
